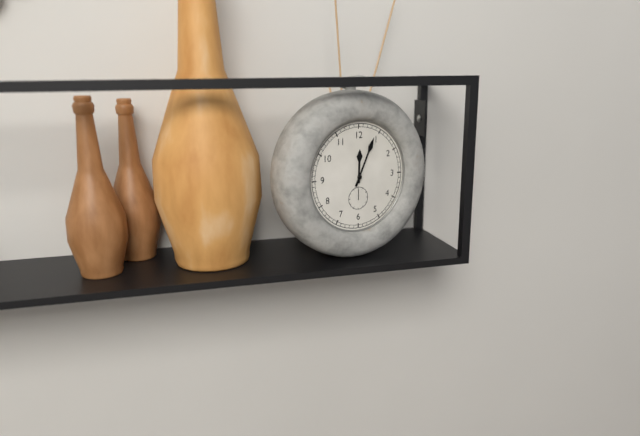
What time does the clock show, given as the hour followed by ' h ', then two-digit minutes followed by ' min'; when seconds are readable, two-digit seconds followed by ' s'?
12 h 04 min
